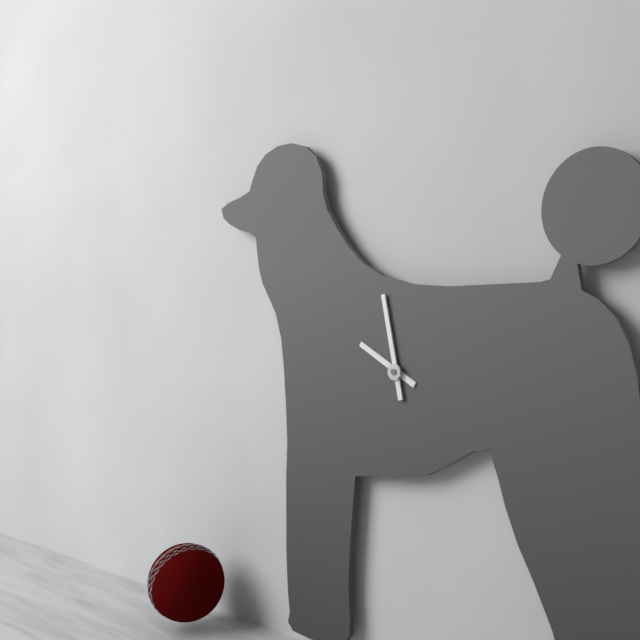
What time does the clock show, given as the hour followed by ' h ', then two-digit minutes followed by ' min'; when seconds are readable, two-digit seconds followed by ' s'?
9 h 58 min
